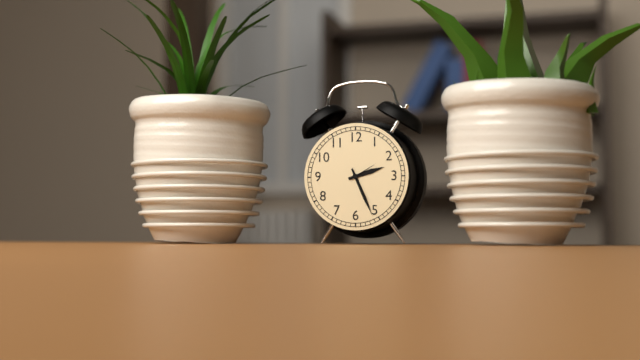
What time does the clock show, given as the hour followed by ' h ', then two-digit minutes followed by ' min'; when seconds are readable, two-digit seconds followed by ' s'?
2 h 26 min
